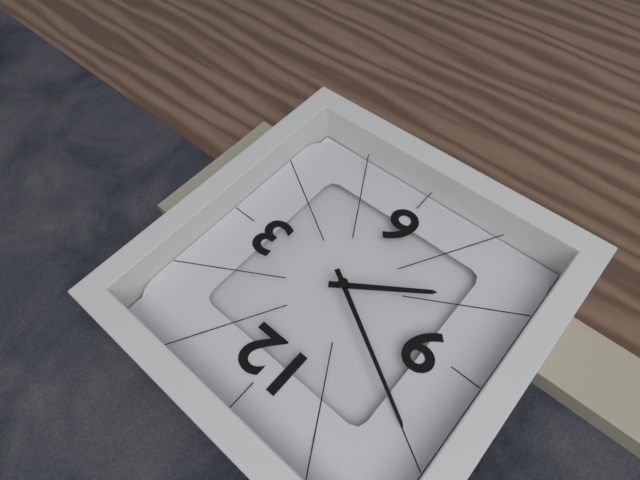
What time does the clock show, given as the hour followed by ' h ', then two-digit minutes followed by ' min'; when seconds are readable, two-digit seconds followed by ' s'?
7 h 50 min
